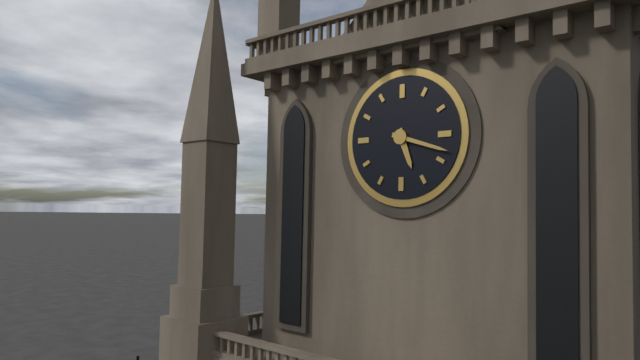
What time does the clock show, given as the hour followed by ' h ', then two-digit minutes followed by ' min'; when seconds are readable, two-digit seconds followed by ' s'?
5 h 18 min
